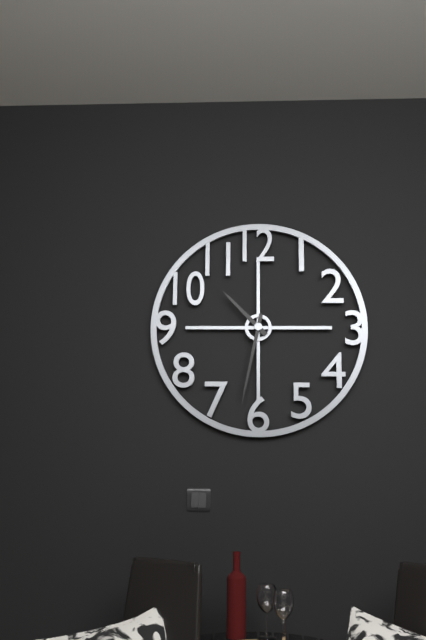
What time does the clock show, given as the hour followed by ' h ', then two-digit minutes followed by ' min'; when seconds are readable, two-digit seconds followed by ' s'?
10 h 32 min
